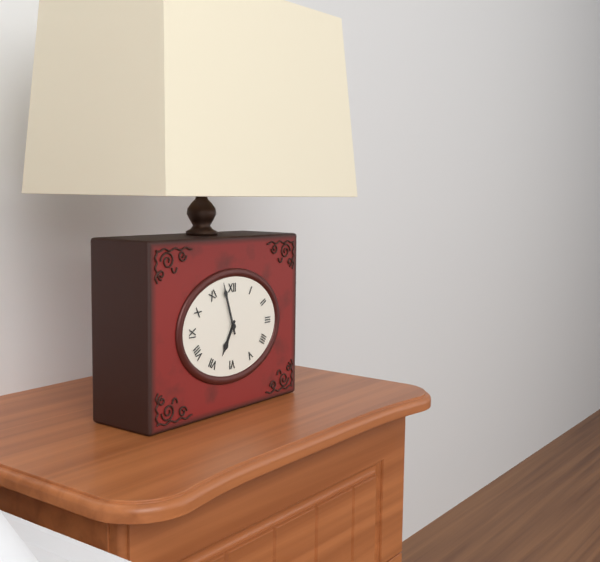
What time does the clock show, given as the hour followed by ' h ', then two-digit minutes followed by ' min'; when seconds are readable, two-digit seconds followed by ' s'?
6 h 57 min
